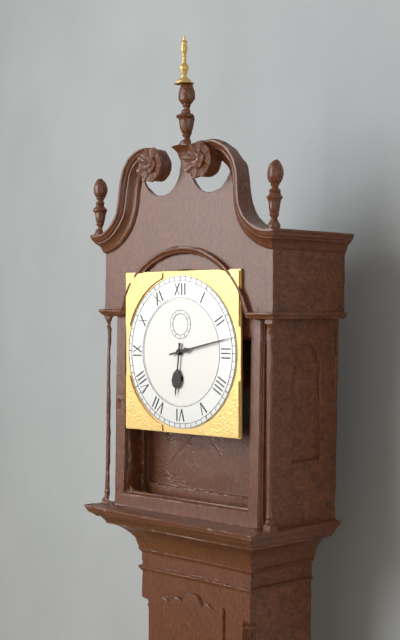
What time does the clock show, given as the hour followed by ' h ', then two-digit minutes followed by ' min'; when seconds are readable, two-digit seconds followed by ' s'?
6 h 13 min
